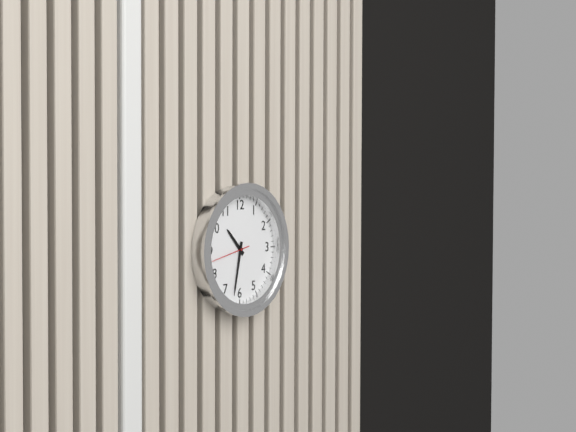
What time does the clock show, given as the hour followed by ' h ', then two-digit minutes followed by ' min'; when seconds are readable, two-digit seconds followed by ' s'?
10 h 32 min
